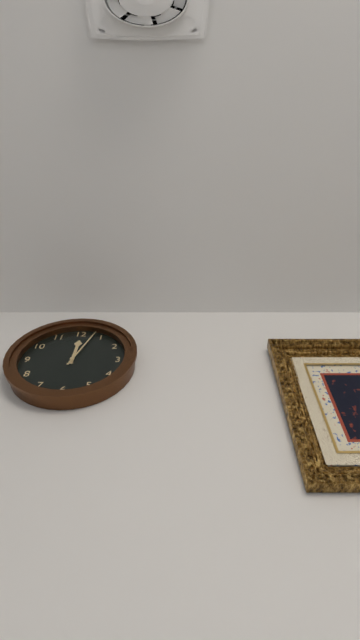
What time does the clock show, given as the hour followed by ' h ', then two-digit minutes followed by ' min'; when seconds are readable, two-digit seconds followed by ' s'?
12 h 03 min
